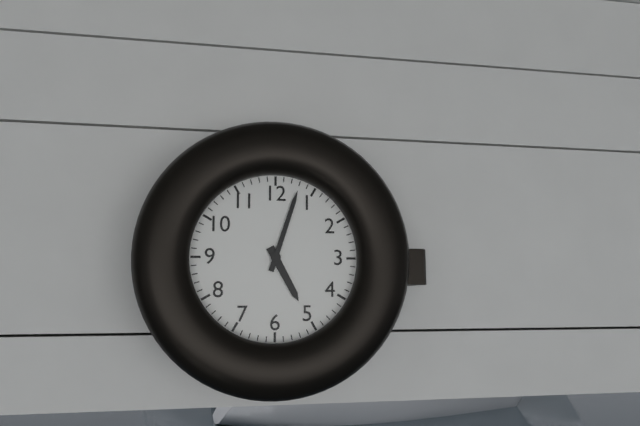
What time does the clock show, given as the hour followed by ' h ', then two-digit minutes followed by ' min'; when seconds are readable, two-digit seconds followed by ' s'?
5 h 03 min
